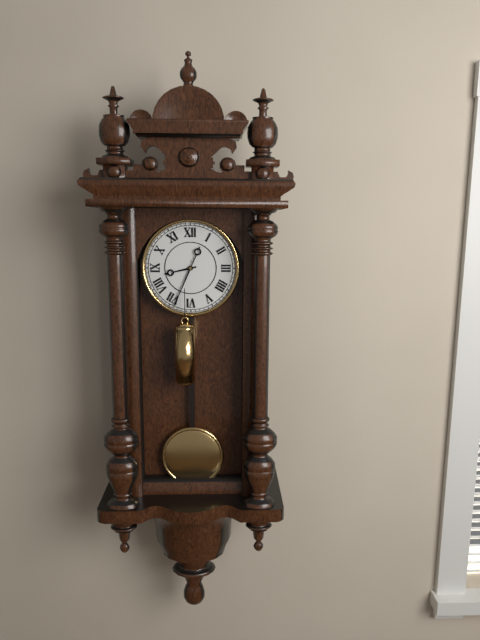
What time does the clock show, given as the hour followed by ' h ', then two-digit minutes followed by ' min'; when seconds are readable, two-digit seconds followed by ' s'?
8 h 34 min
